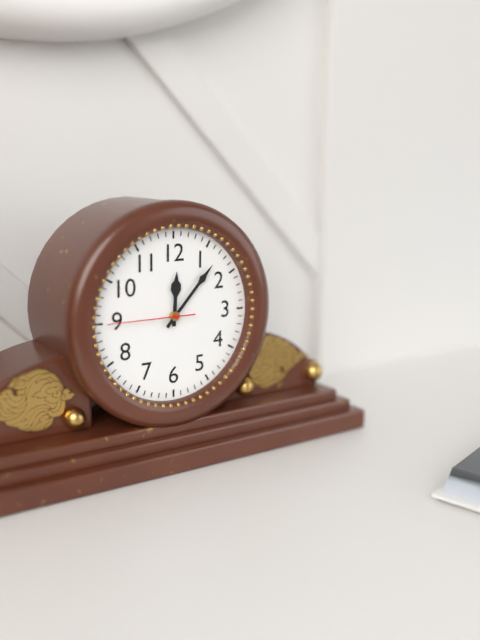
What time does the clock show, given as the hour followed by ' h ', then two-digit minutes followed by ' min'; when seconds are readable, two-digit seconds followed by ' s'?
12 h 07 min 45 s
